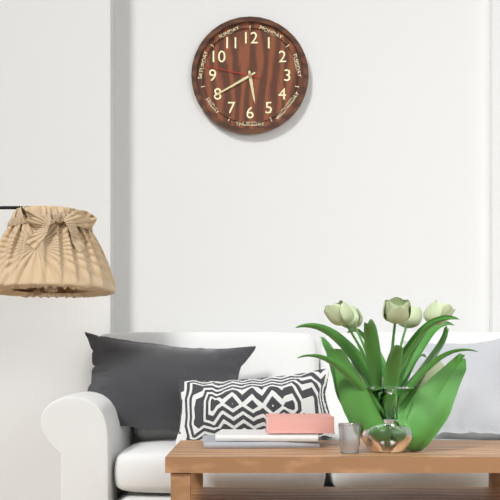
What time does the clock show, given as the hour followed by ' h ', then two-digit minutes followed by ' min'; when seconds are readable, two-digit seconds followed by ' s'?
5 h 40 min 47 s
